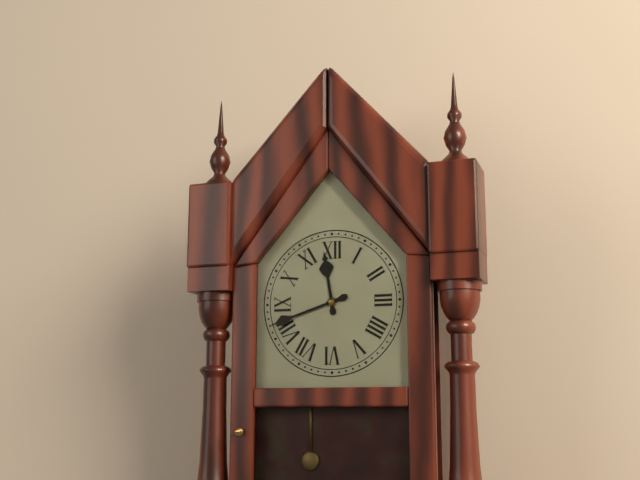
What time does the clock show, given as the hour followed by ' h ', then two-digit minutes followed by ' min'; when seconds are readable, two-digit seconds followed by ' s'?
11 h 42 min
